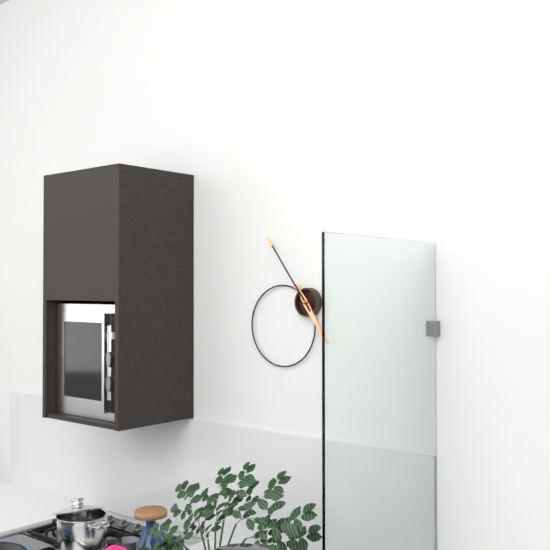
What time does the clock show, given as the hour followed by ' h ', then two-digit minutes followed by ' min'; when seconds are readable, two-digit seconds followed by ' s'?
4 h 54 min
